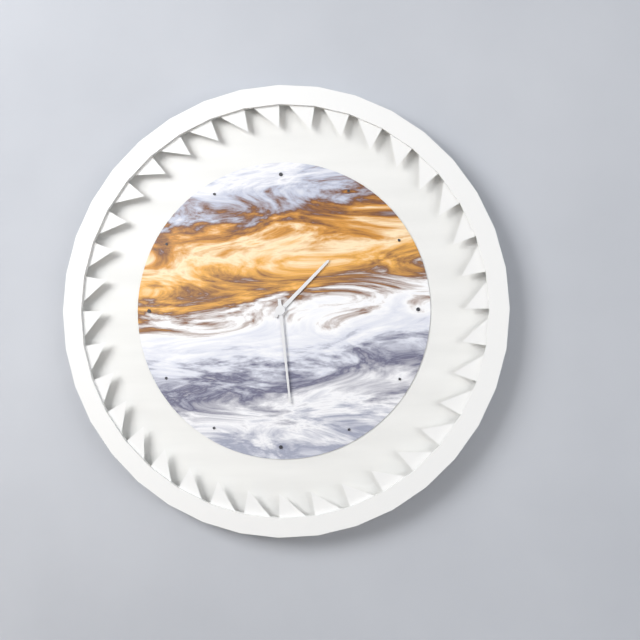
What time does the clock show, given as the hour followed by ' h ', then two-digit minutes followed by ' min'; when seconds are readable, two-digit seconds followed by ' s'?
1 h 29 min
